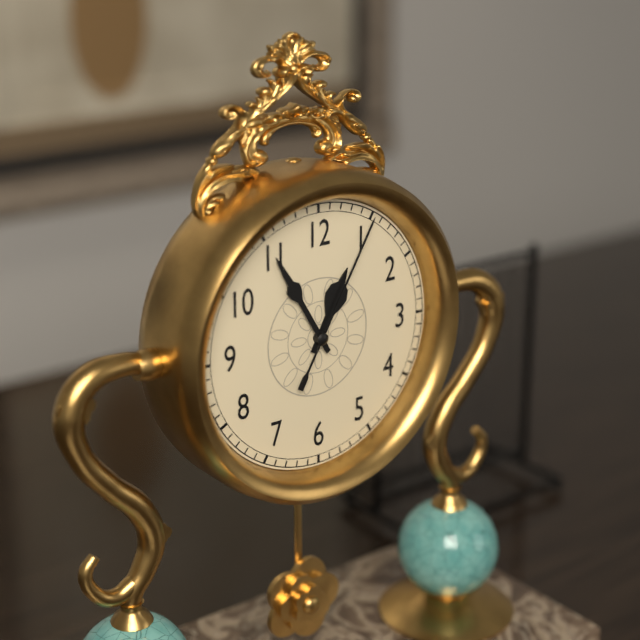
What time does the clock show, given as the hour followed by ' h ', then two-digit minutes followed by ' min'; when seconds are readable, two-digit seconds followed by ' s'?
12 h 55 min 05 s
